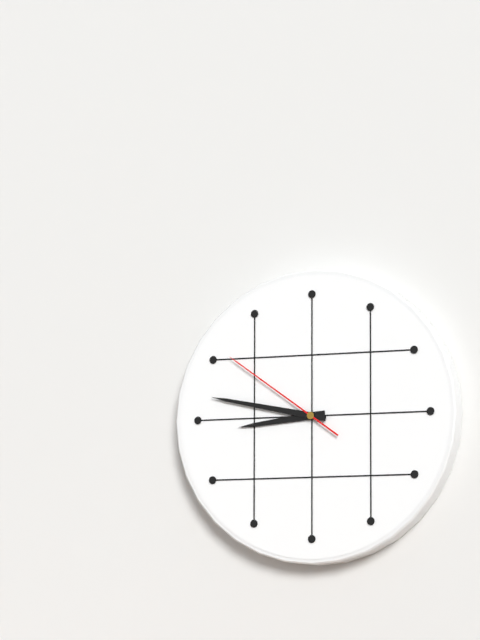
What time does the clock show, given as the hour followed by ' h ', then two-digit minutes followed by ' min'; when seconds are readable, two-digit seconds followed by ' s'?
8 h 47 min 51 s
